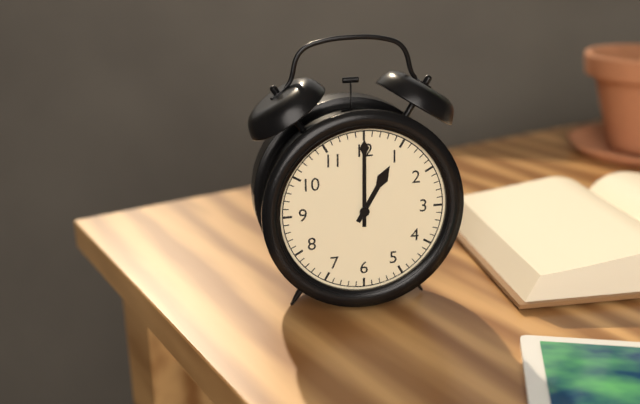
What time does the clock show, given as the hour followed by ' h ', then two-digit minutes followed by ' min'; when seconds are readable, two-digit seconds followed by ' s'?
1 h 00 min
